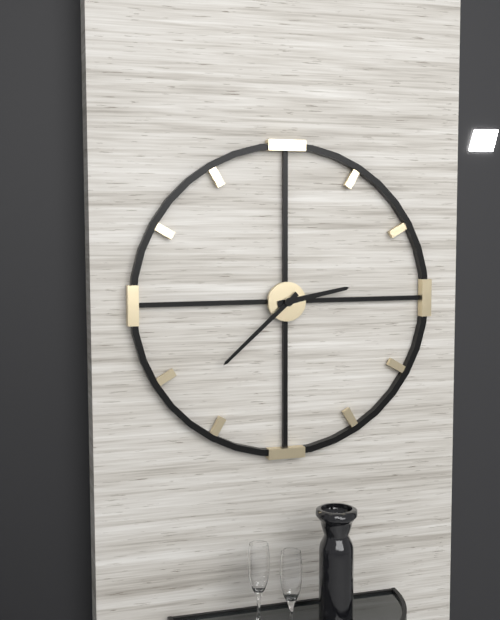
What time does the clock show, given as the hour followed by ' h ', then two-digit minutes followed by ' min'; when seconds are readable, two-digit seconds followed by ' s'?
2 h 38 min
